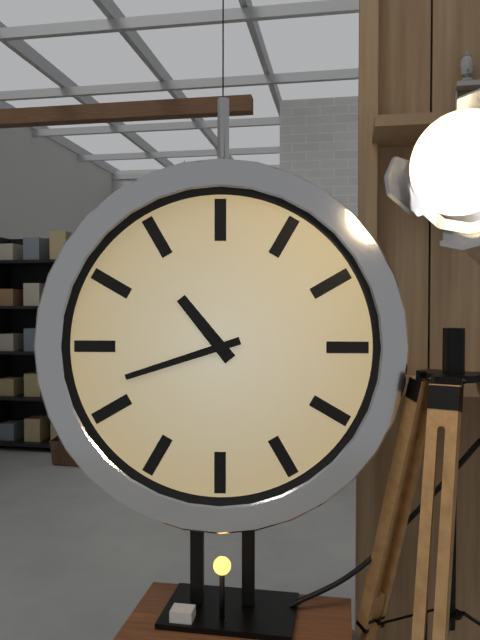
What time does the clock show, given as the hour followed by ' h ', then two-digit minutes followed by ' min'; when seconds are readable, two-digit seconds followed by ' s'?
10 h 42 min
